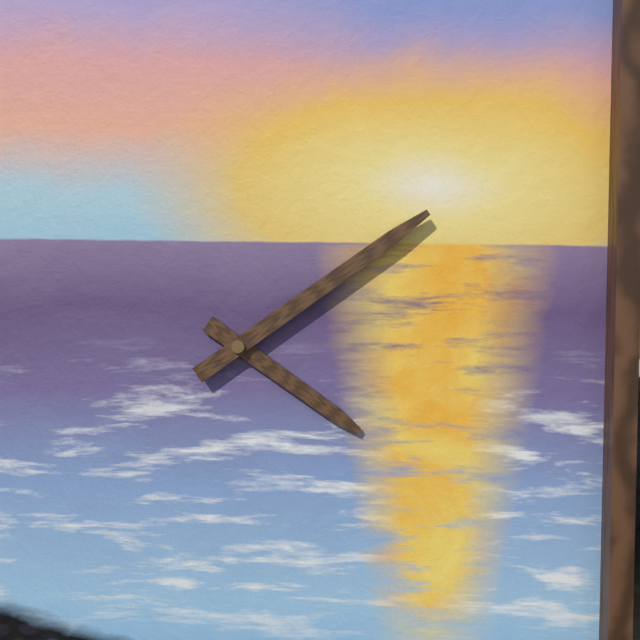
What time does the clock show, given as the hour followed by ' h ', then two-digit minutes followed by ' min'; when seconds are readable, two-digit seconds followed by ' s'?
4 h 09 min
